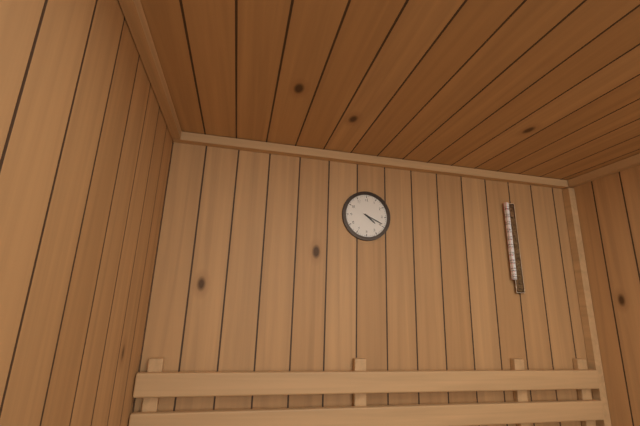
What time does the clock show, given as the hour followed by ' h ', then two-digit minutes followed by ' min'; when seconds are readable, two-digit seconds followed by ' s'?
4 h 19 min
